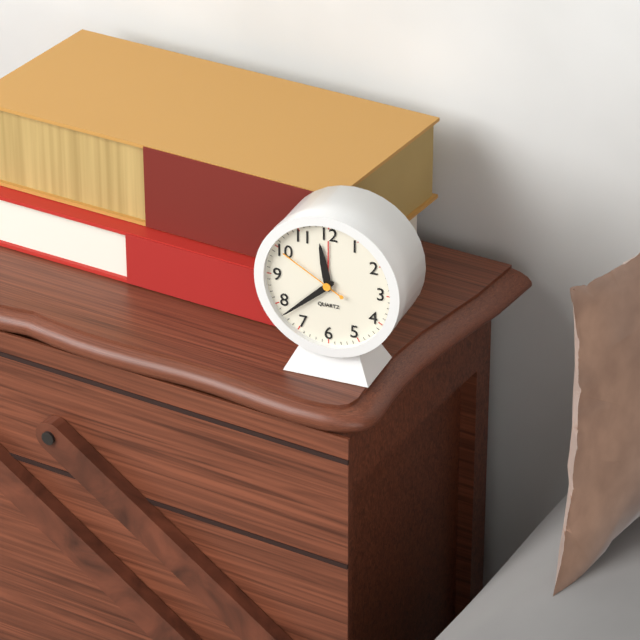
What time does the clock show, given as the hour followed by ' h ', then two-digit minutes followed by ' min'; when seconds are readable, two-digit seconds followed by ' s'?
11 h 38 min 50 s
